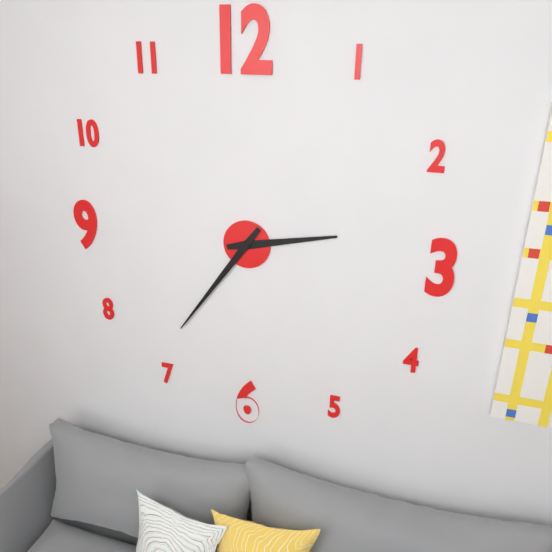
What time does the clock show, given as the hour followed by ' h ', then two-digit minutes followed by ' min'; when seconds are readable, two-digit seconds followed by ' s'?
2 h 36 min
